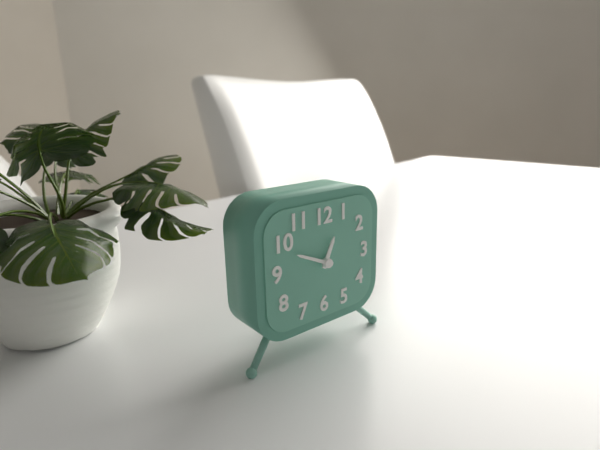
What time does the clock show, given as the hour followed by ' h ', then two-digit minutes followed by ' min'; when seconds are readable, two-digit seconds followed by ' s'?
12 h 49 min
